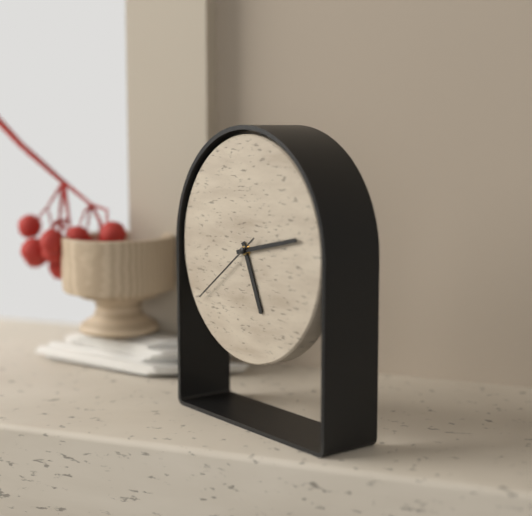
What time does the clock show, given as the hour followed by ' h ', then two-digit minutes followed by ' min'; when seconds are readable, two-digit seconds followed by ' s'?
5 h 13 min 39 s
